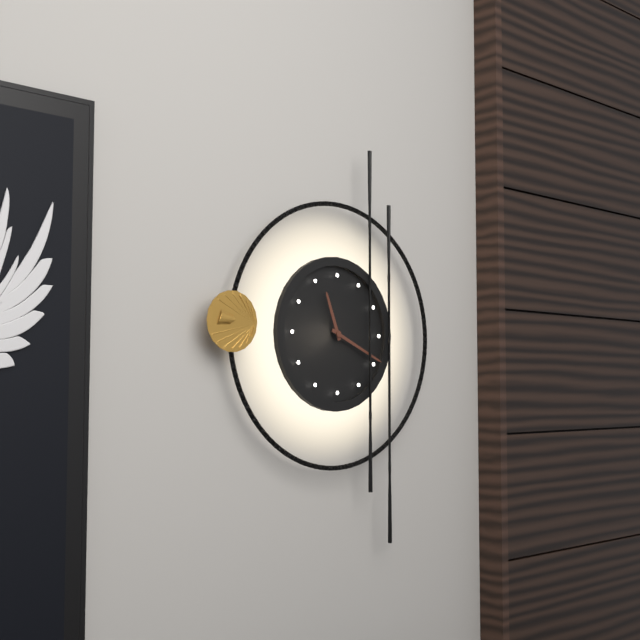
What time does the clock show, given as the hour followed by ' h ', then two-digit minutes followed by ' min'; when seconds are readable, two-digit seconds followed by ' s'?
11 h 19 min
